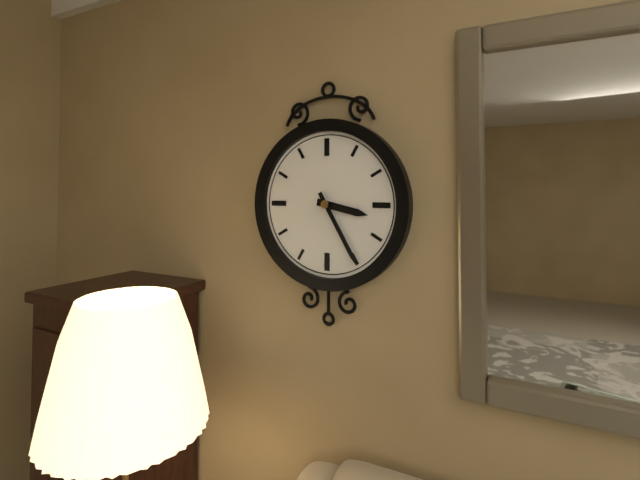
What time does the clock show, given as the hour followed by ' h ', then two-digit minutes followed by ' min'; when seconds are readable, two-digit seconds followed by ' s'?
3 h 25 min
